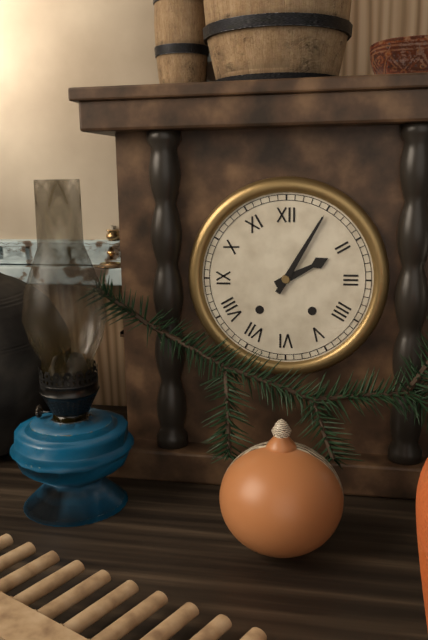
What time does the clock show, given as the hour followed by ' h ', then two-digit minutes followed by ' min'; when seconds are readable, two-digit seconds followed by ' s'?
2 h 05 min
